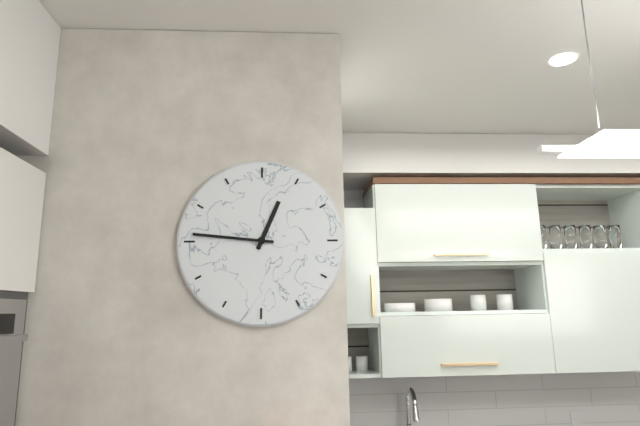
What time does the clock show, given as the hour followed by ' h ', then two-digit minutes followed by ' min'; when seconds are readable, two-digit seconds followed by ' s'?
12 h 46 min
